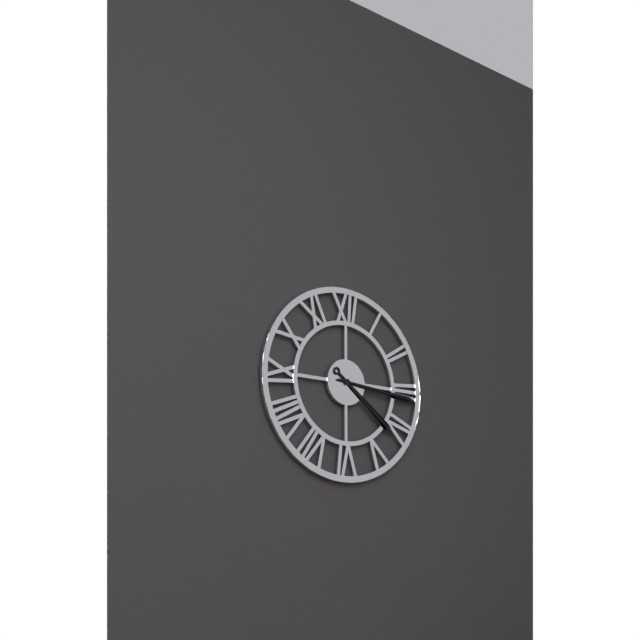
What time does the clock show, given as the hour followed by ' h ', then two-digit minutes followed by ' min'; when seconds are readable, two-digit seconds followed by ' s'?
4 h 16 min
